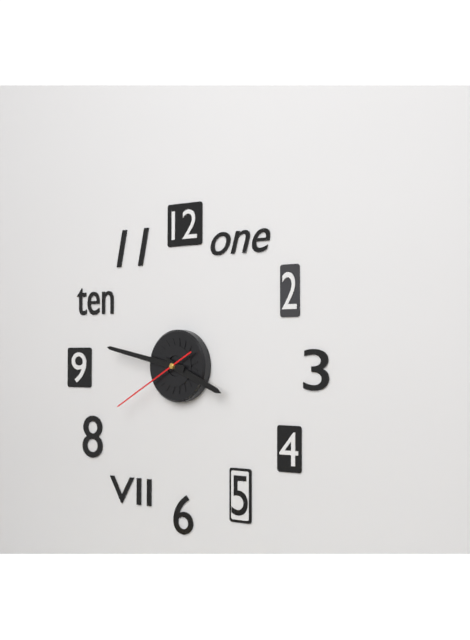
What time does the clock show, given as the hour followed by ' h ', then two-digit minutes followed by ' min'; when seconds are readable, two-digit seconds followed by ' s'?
3 h 47 min 40 s
